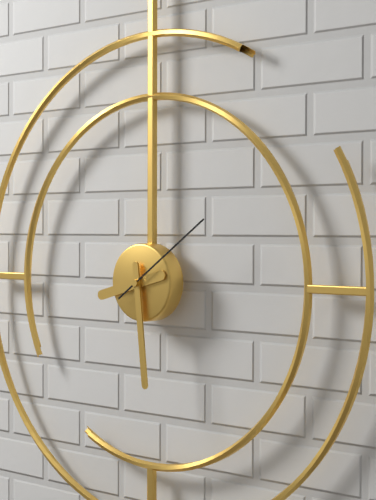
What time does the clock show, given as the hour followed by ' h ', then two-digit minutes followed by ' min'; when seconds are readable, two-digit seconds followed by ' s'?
8 h 29 min 09 s
